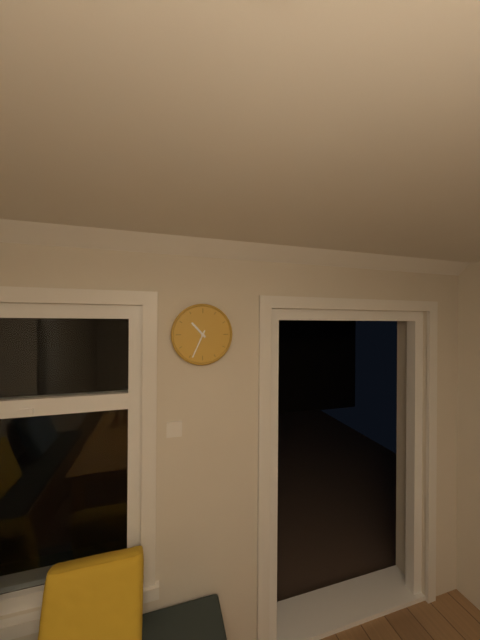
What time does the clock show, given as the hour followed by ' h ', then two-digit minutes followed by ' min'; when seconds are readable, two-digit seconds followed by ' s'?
10 h 34 min
